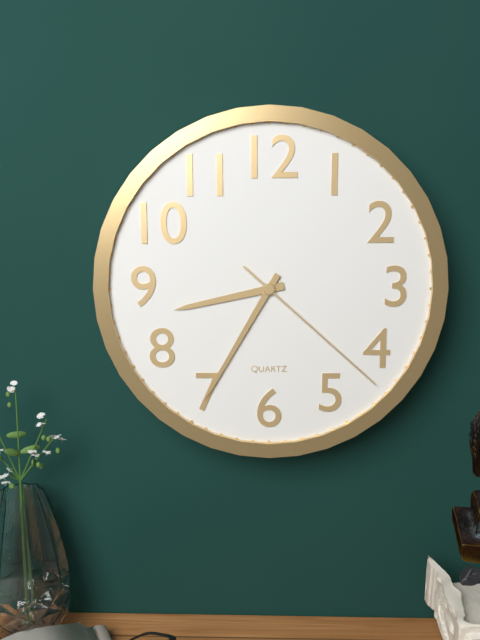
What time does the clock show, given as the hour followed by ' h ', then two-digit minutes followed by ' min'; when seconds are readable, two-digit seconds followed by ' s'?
8 h 35 min 22 s
